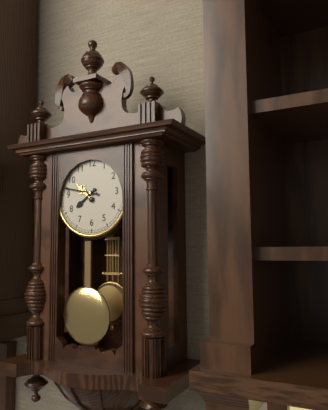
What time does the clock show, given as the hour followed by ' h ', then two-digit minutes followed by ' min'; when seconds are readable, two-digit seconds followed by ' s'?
7 h 47 min
